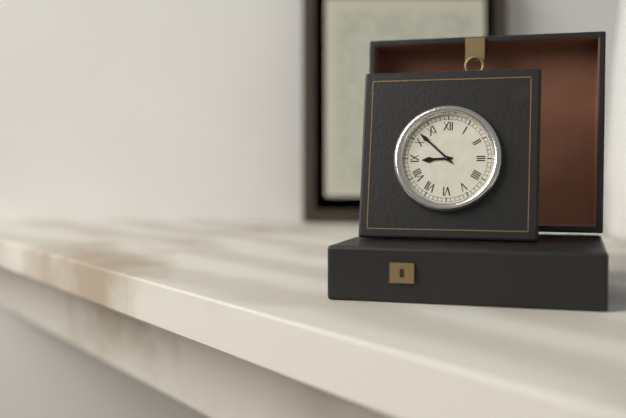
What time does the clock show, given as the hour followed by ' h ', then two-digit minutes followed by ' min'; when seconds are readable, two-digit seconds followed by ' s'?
8 h 52 min
